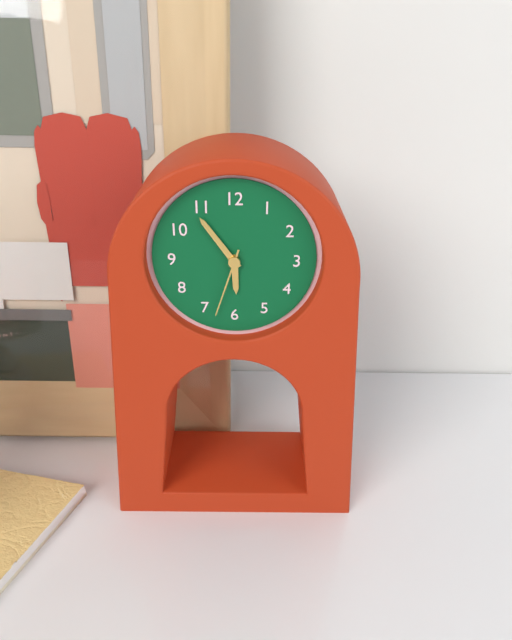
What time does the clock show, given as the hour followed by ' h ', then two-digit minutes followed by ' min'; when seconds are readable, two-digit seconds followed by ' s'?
5 h 54 min 33 s
